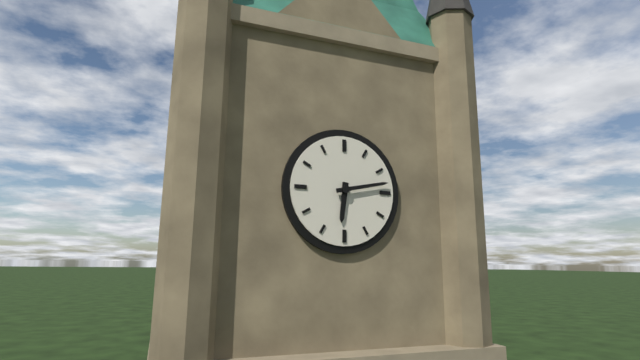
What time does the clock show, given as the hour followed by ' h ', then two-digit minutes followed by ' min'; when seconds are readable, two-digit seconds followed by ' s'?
6 h 13 min
